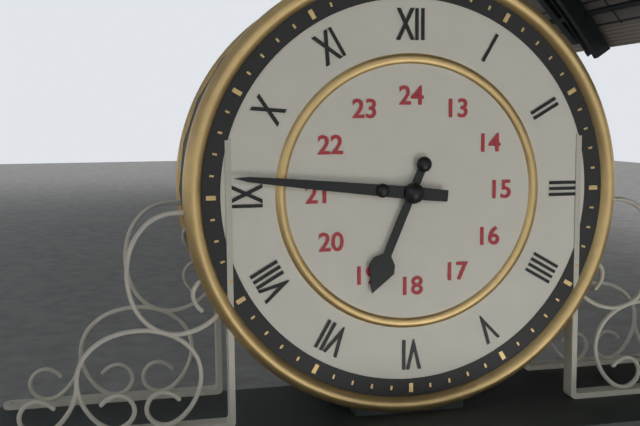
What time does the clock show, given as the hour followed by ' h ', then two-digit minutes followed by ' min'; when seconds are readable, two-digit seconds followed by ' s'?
6 h 46 min
